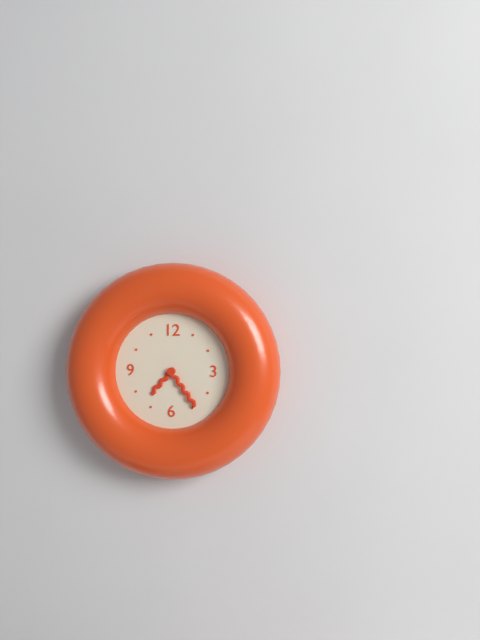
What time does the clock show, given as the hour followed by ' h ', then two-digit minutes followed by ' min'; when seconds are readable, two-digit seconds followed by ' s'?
7 h 24 min
